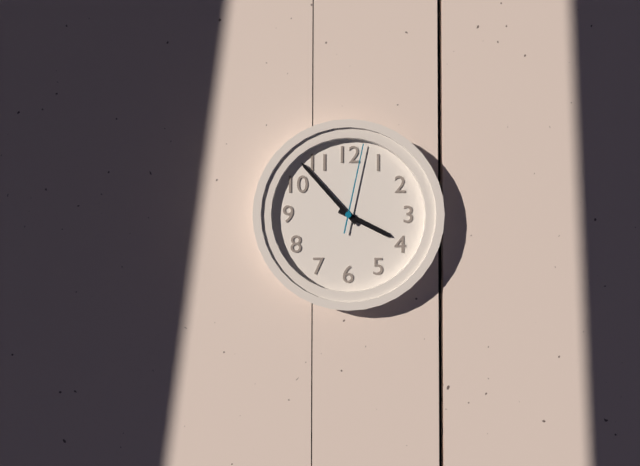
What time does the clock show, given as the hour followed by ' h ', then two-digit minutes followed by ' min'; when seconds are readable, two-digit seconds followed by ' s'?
3 h 53 min 02 s
